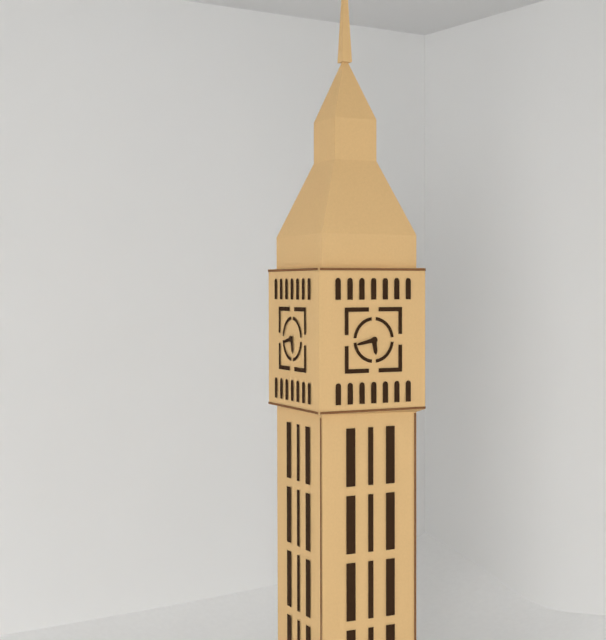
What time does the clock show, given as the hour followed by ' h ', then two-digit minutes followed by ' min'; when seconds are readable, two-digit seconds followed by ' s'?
5 h 43 min
